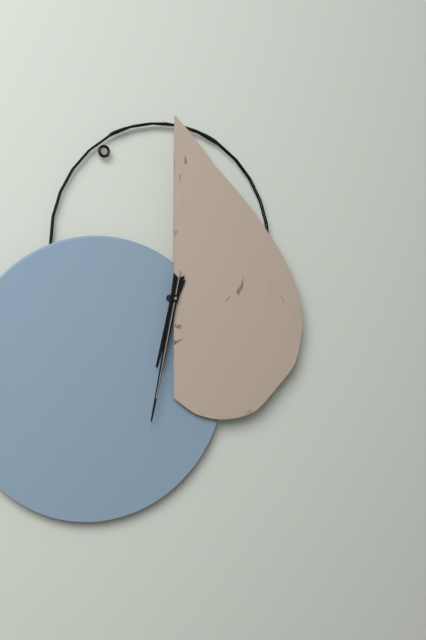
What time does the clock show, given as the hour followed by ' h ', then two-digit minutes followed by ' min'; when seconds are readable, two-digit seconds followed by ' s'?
6 h 32 min 32 s
